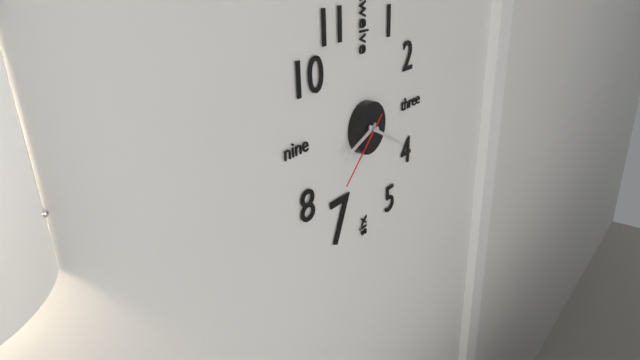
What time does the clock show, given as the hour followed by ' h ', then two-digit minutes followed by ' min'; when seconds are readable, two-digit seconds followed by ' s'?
8 h 20 min 38 s
